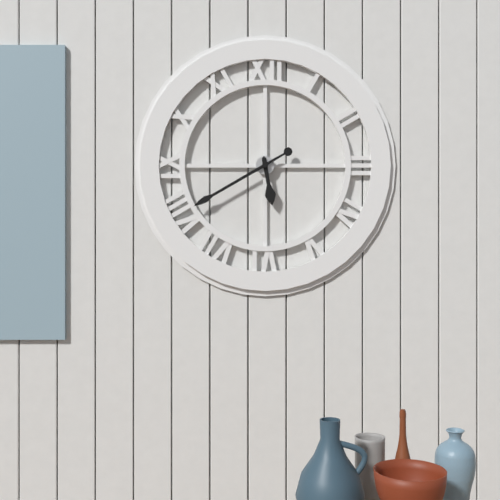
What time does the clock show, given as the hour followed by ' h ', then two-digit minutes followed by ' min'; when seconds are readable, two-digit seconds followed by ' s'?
5 h 40 min
